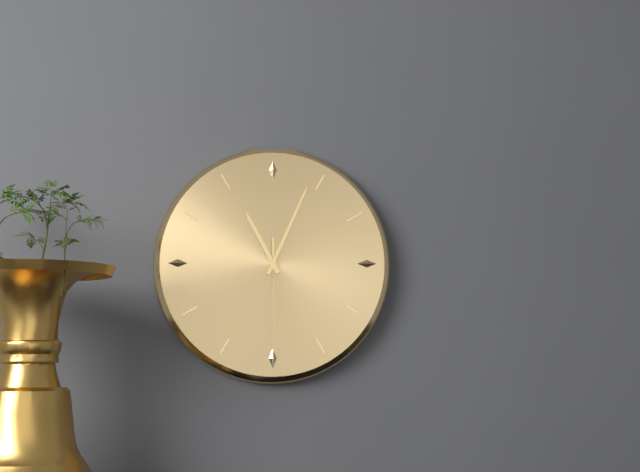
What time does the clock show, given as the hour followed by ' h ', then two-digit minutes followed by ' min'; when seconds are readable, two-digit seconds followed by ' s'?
11 h 04 min 30 s
